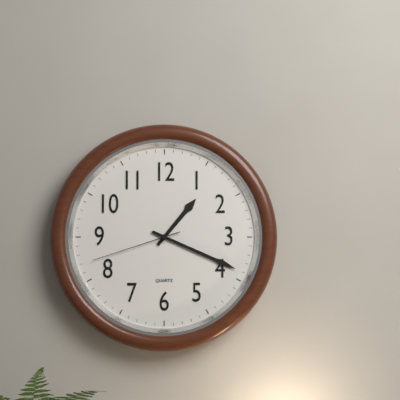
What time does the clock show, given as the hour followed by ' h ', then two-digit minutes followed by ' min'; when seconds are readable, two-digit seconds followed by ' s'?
1 h 19 min 42 s
